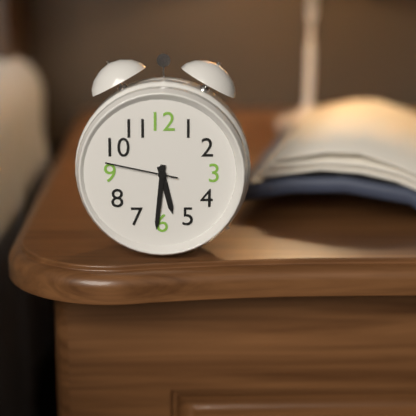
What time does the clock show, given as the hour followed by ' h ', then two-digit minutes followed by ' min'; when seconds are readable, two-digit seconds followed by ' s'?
5 h 31 min 47 s
